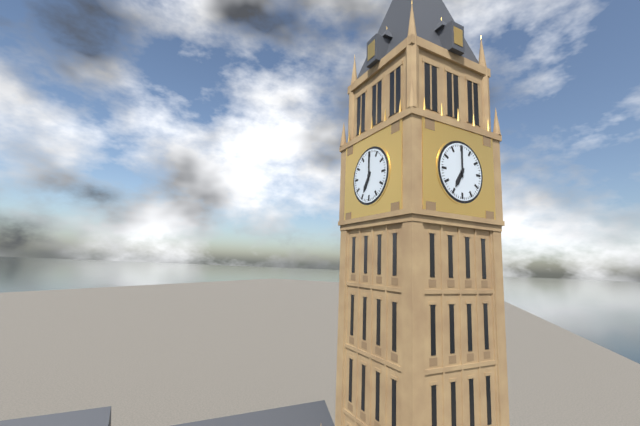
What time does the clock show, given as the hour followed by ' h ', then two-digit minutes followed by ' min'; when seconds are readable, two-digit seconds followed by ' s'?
7 h 00 min
